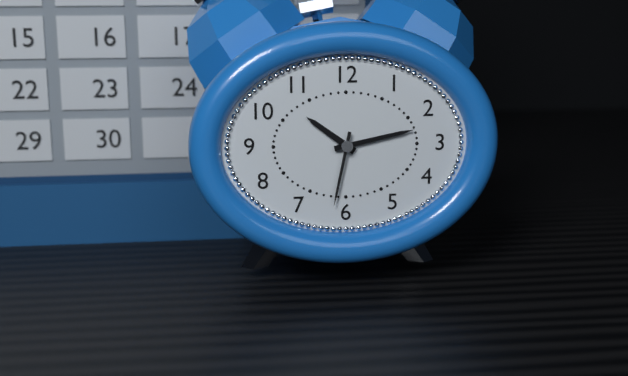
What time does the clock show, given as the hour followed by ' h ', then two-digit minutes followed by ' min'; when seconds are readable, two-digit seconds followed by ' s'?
10 h 13 min 32 s
